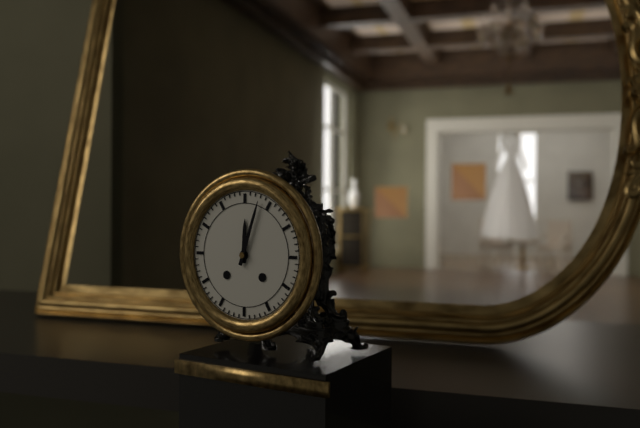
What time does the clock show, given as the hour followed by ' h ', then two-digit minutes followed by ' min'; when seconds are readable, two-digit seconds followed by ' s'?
12 h 03 min
